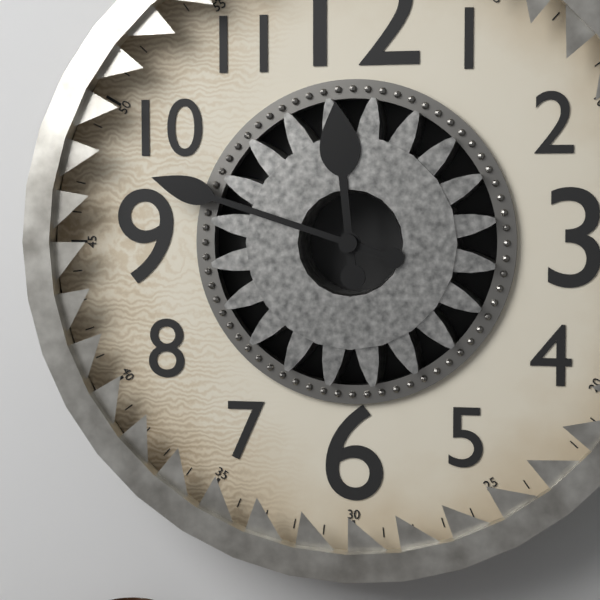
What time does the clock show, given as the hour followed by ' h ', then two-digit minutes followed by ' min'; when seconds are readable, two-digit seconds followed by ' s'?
11 h 48 min
